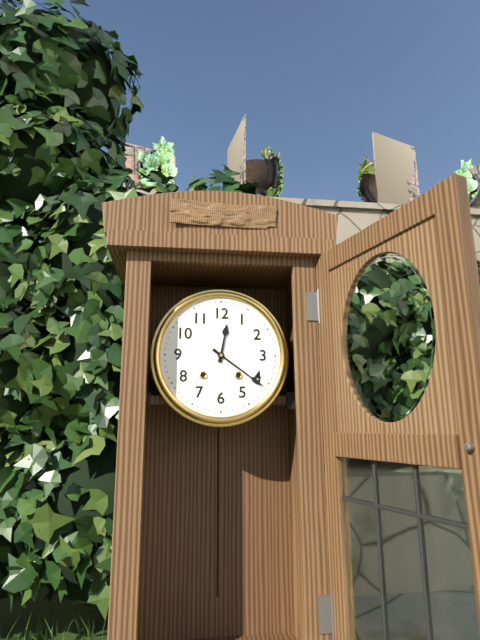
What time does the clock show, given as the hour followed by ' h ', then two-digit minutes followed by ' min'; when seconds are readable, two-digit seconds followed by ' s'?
12 h 21 min
